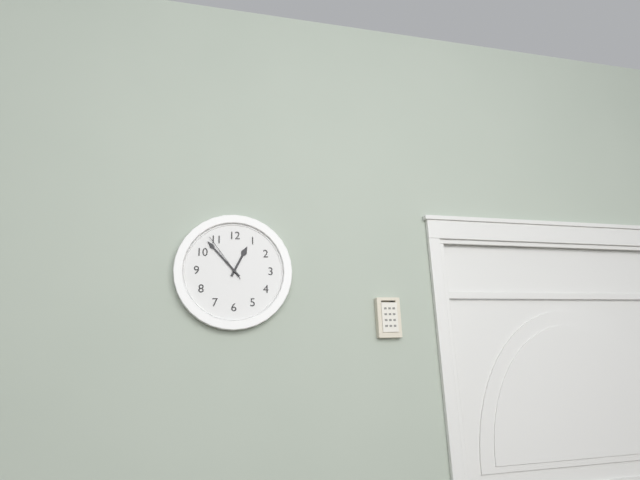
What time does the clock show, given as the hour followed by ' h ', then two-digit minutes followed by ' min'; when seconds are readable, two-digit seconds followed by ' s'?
12 h 53 min 54 s
